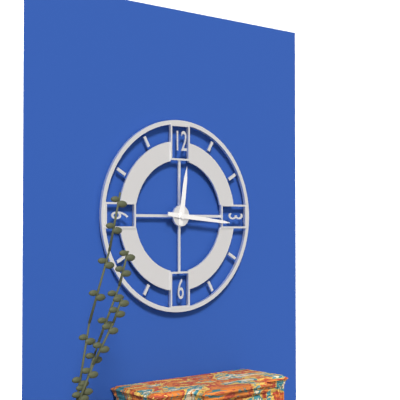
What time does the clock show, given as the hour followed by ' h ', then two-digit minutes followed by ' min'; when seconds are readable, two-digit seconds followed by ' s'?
12 h 16 min
